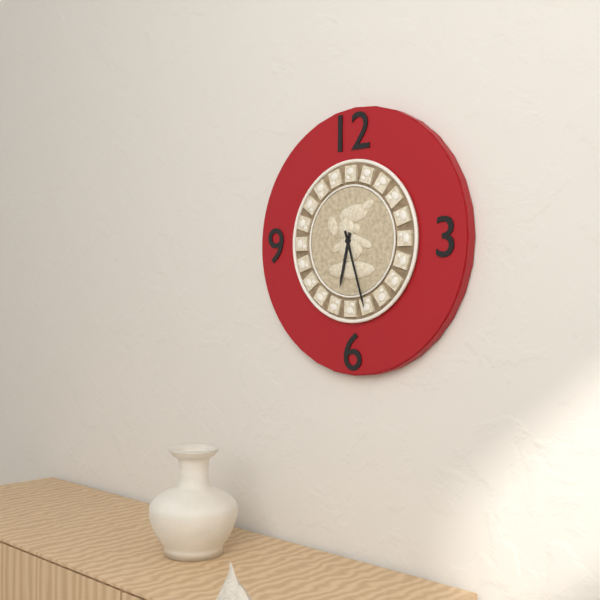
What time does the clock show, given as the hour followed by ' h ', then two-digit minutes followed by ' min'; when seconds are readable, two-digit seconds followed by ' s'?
6 h 27 min
